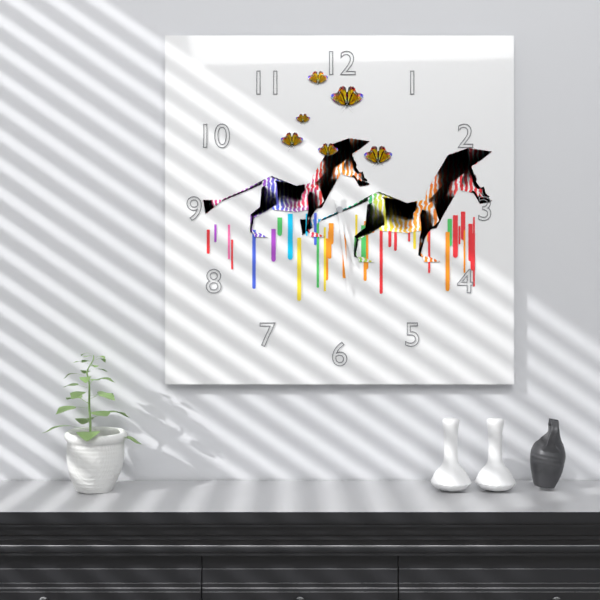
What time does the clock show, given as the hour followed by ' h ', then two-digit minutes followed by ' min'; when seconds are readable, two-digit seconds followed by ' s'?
5 h 29 min
